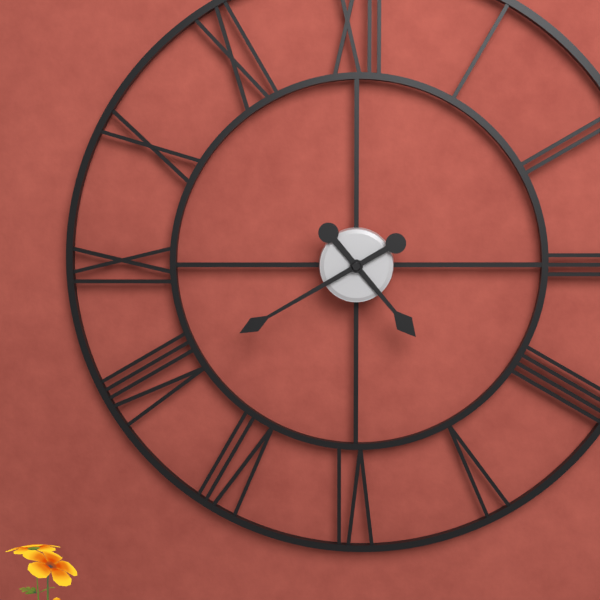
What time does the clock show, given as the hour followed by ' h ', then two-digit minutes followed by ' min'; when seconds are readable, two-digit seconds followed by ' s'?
4 h 40 min
